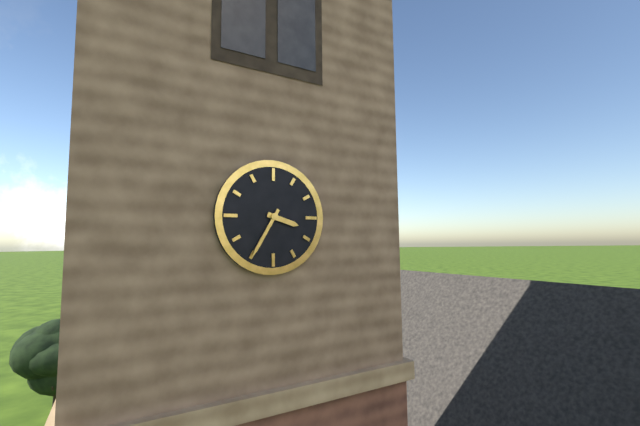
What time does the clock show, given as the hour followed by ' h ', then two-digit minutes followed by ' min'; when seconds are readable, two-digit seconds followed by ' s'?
3 h 35 min
